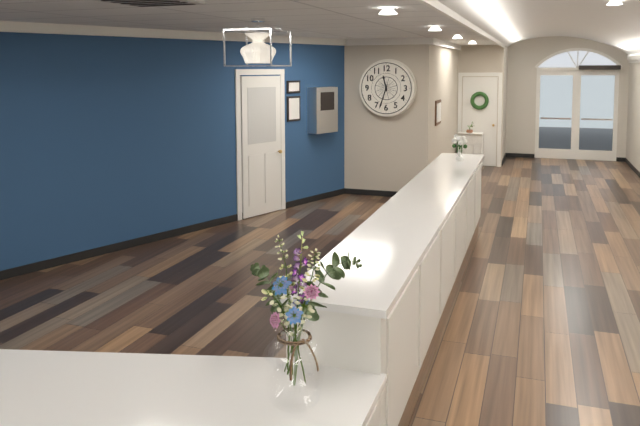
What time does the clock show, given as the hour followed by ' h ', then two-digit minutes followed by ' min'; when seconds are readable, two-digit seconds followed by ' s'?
11 h 33 min
